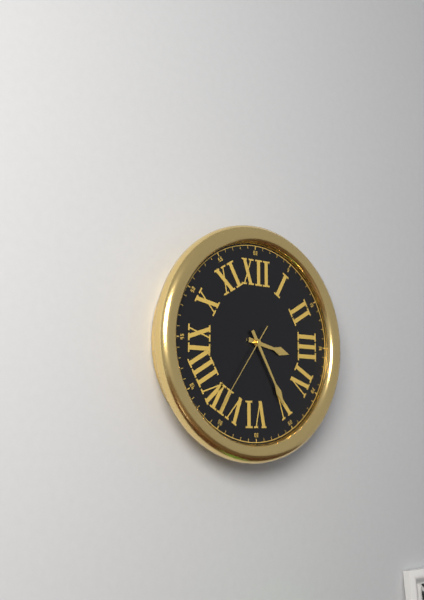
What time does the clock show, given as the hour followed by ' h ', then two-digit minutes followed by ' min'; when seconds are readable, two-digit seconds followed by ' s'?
3 h 25 min 36 s
